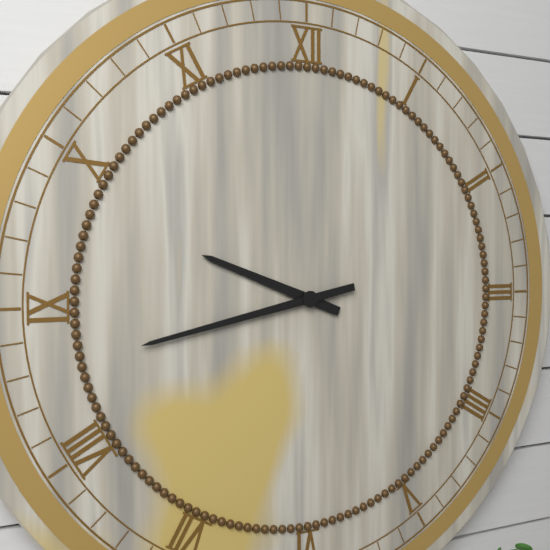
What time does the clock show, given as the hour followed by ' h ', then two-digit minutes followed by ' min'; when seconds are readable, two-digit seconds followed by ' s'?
9 h 43 min
